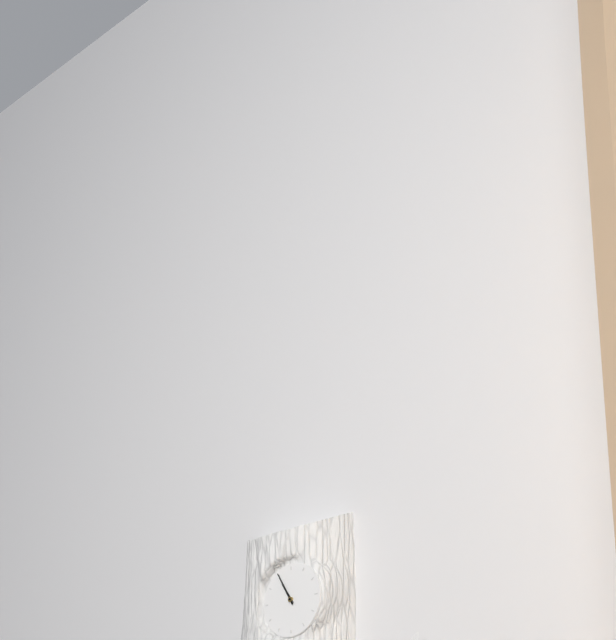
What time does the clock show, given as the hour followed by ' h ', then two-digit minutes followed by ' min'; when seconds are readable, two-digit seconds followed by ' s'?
10 h 55 min
